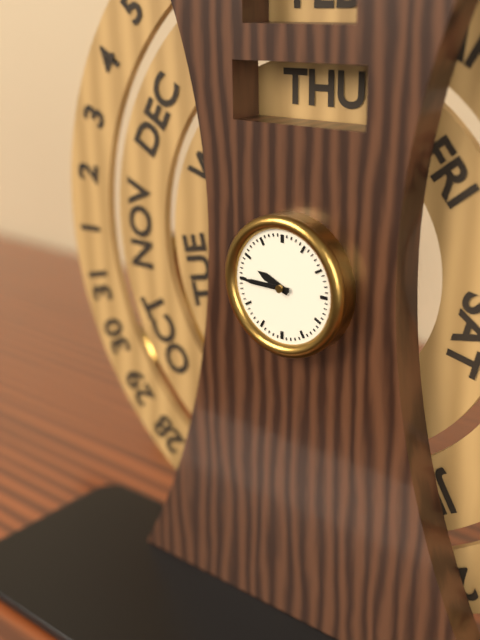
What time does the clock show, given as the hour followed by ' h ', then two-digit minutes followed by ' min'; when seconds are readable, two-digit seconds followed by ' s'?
9 h 45 min
